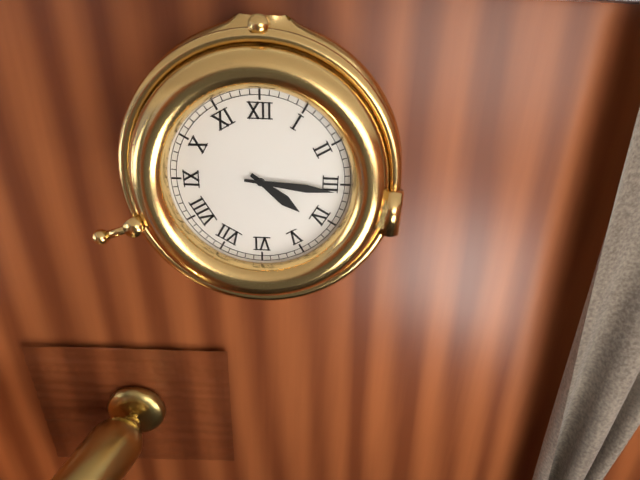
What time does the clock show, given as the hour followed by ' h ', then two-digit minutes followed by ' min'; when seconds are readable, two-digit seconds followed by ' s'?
4 h 16 min
